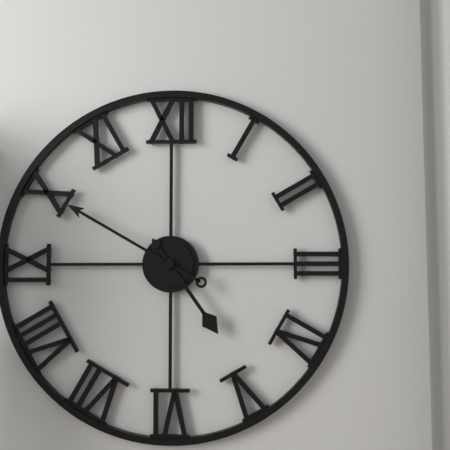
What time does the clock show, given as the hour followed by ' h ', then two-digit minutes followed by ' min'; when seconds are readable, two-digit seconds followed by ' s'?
4 h 50 min
